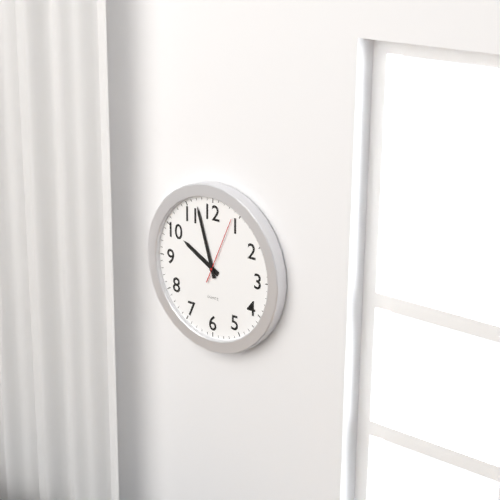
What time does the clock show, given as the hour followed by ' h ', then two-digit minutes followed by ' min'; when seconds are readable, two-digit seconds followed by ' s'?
9 h 57 min 04 s
